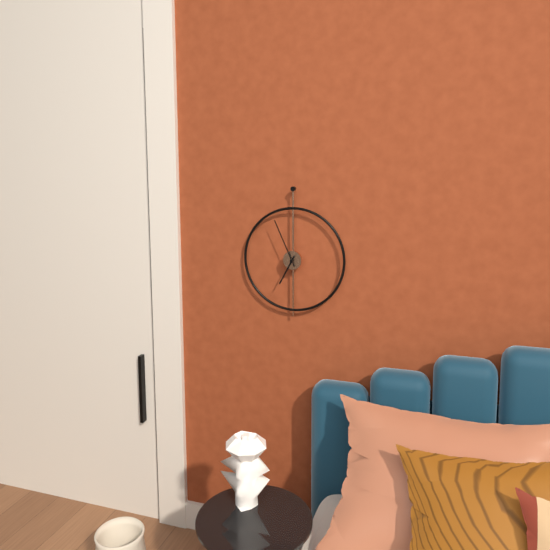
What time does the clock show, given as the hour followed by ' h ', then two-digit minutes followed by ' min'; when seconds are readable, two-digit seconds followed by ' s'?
6 h 56 min
